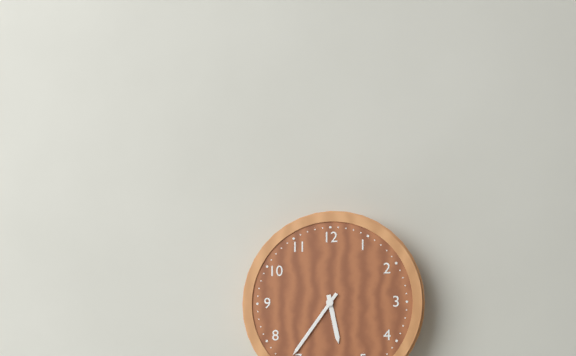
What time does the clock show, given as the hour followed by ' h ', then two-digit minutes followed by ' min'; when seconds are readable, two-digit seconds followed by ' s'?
5 h 36 min
